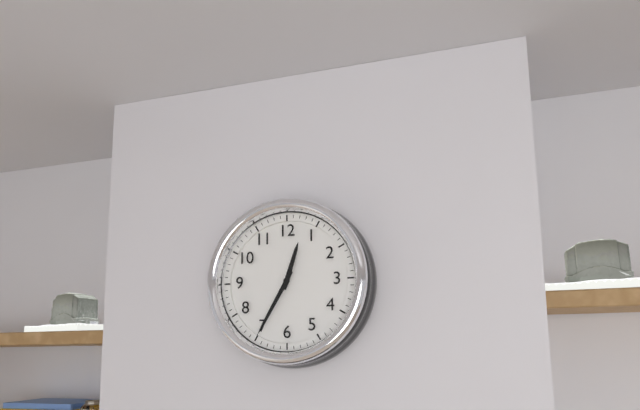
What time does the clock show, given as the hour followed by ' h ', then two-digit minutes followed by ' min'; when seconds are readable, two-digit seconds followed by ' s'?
12 h 35 min
